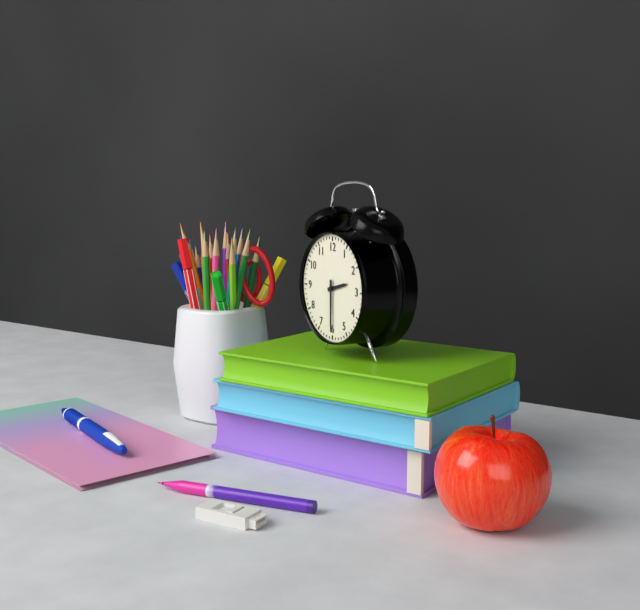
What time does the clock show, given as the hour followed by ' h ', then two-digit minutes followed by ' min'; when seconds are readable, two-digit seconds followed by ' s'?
2 h 30 min
